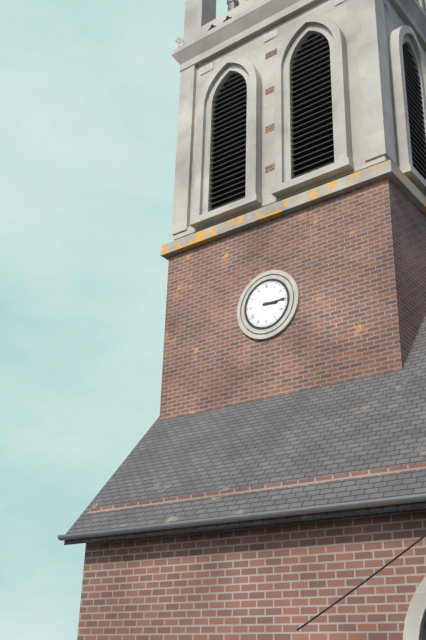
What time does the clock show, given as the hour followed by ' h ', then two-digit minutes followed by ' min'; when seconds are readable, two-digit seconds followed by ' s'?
3 h 15 min
